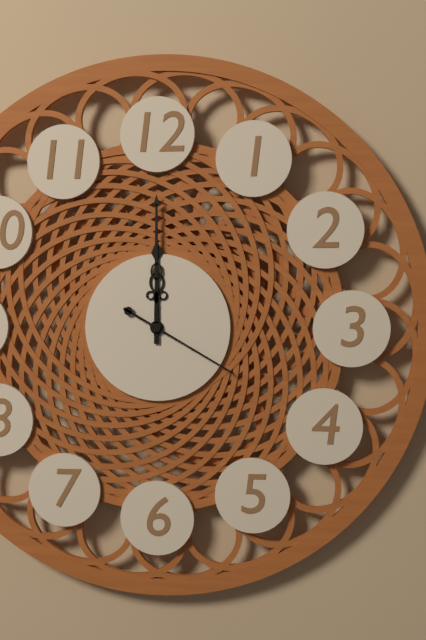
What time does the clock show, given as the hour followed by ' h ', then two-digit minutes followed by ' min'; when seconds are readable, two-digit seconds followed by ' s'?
12 h 00 min 20 s
